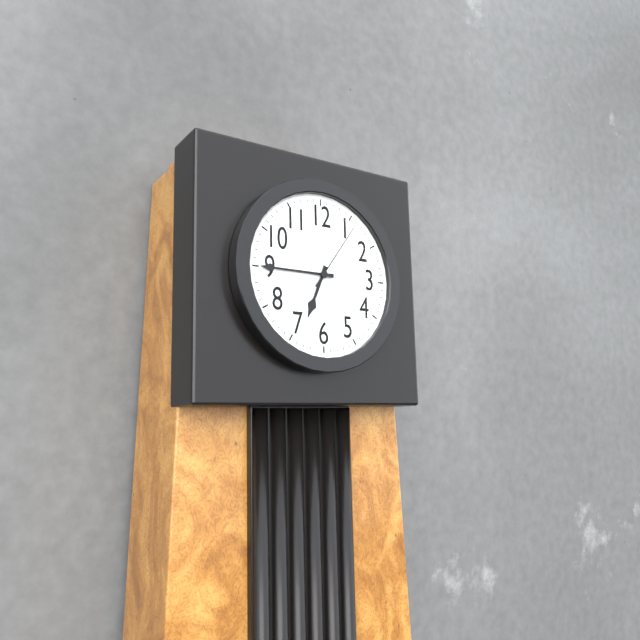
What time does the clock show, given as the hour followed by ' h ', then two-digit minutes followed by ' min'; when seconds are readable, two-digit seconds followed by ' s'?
6 h 45 min 06 s
